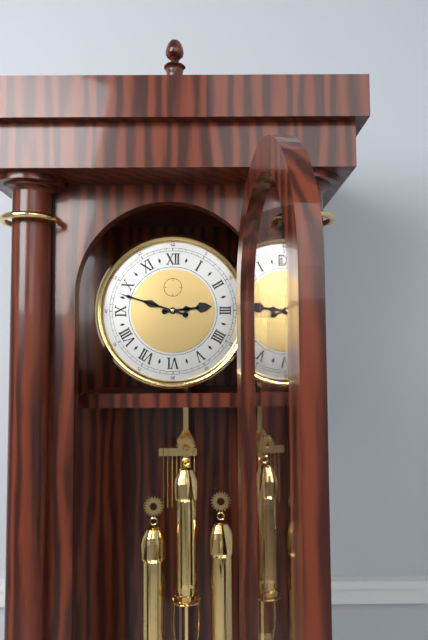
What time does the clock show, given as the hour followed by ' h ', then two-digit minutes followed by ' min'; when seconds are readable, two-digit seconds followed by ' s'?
2 h 48 min
